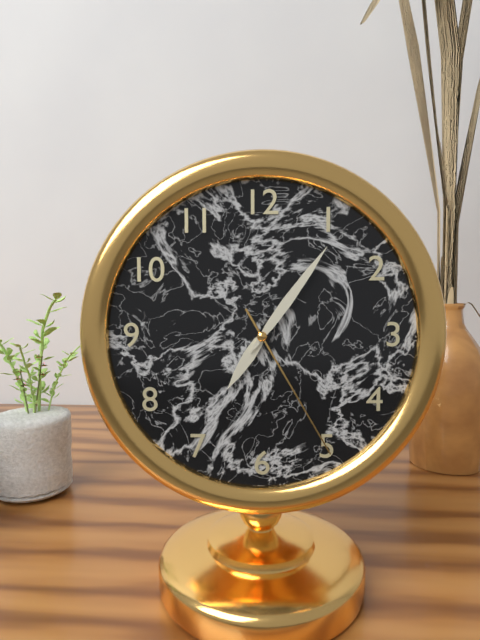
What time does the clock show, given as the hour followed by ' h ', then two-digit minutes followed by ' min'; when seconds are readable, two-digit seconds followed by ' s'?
7 h 06 min 25 s
